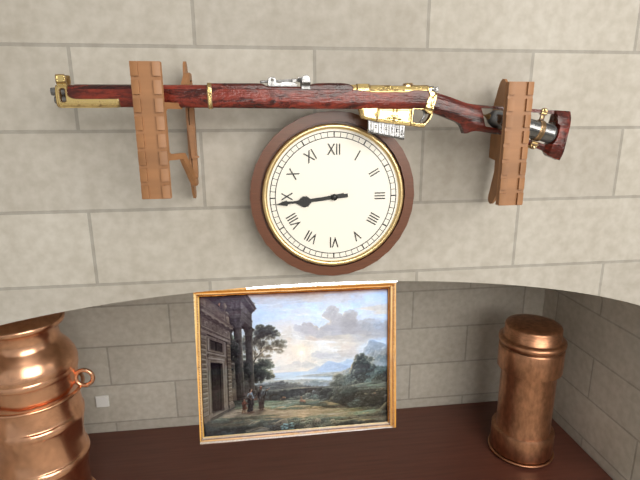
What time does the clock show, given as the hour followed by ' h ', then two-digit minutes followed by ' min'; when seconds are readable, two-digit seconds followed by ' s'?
8 h 44 min
